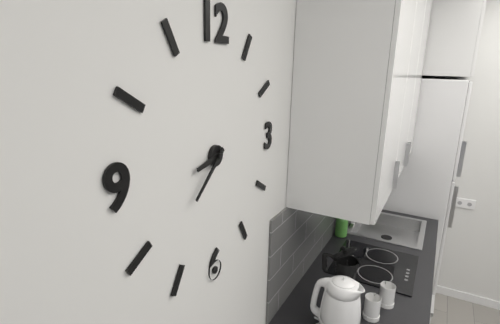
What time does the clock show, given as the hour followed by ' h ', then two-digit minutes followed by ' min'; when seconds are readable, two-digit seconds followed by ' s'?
8 h 38 min
